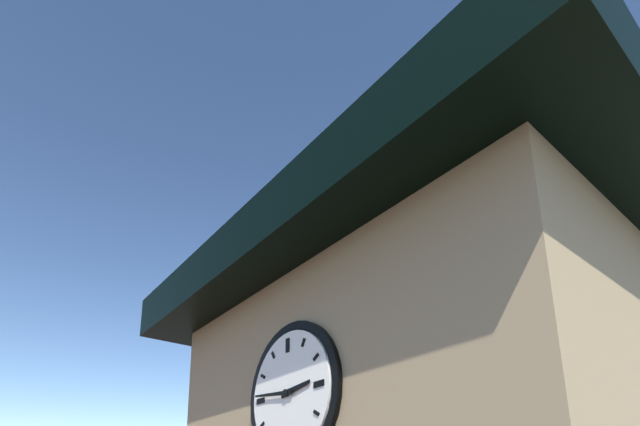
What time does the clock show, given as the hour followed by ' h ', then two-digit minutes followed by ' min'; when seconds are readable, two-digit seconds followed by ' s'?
2 h 46 min
